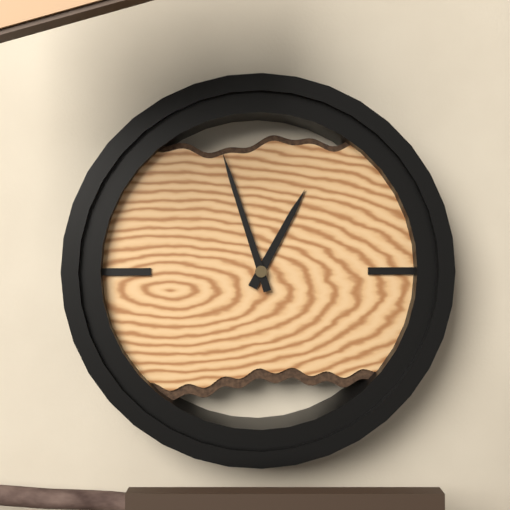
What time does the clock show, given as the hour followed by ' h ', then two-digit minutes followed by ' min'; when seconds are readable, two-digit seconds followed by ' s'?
12 h 57 min
